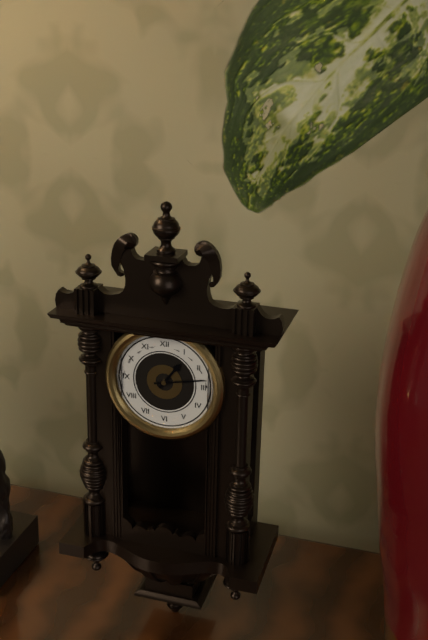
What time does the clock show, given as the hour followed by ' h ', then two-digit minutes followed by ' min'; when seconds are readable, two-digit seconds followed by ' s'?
1 h 13 min
